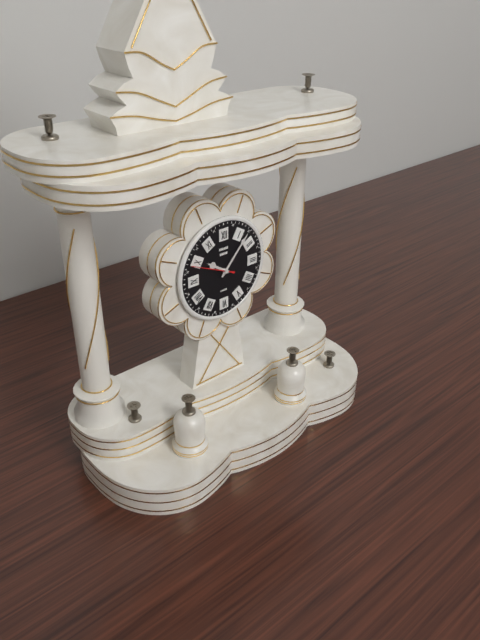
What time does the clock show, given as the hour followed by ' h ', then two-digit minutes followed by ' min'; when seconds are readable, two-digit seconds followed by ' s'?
10 h 07 min
